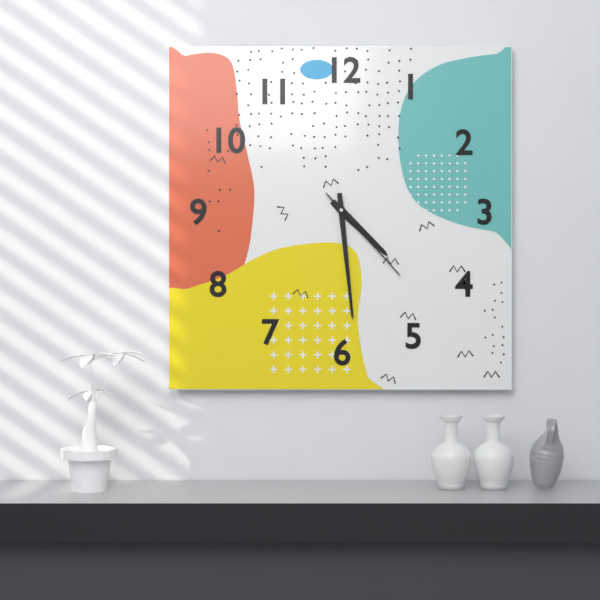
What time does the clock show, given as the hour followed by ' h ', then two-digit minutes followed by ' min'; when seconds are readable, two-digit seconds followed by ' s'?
4 h 29 min 23 s
